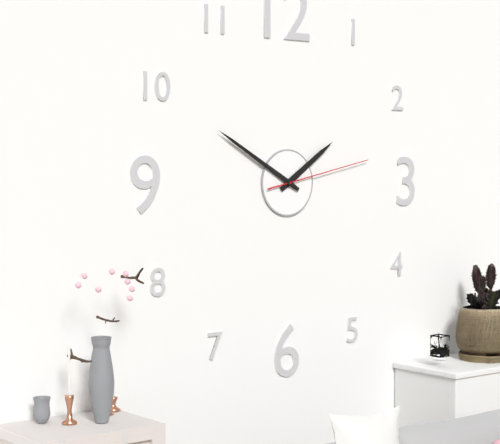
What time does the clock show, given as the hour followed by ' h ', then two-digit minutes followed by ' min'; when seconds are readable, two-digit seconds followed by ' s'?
1 h 50 min 13 s
